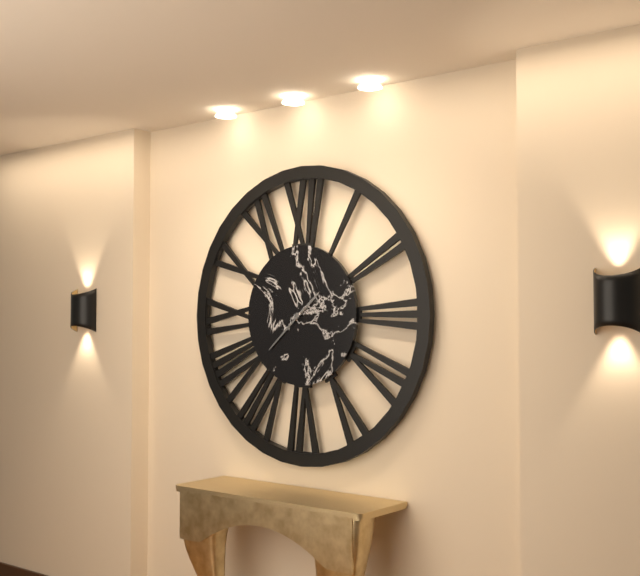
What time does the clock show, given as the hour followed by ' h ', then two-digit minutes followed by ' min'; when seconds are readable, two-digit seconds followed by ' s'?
1 h 38 min
